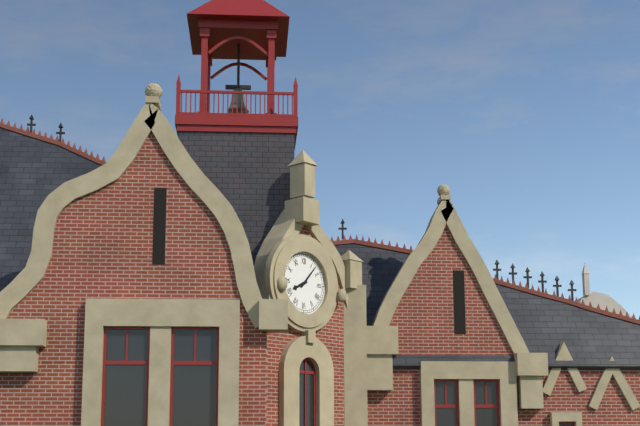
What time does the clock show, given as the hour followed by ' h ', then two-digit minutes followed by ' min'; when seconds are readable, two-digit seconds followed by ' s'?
8 h 07 min
